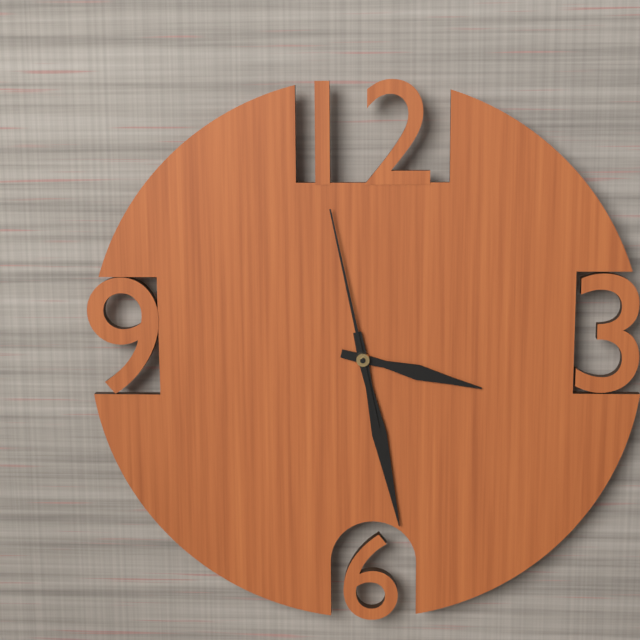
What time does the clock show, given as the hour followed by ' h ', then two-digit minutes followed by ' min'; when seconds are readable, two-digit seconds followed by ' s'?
3 h 28 min 58 s
